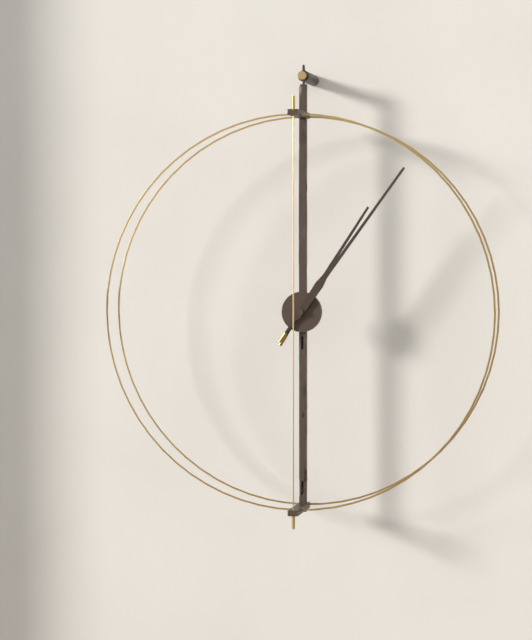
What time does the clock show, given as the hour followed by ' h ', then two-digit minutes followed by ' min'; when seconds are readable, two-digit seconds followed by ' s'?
1 h 06 min
